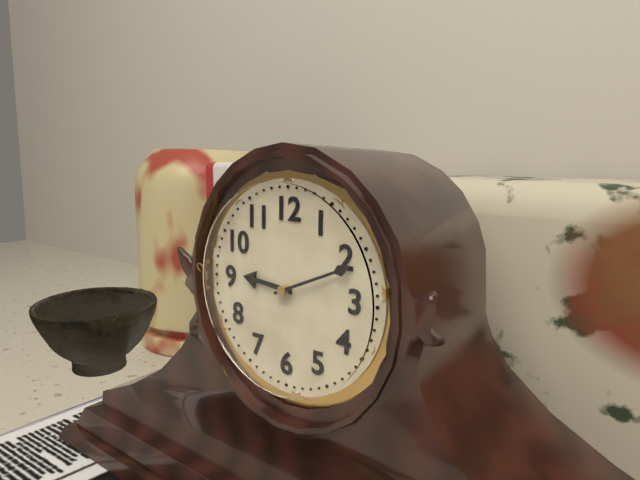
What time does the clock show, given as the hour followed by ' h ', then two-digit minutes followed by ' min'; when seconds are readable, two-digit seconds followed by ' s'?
9 h 11 min
